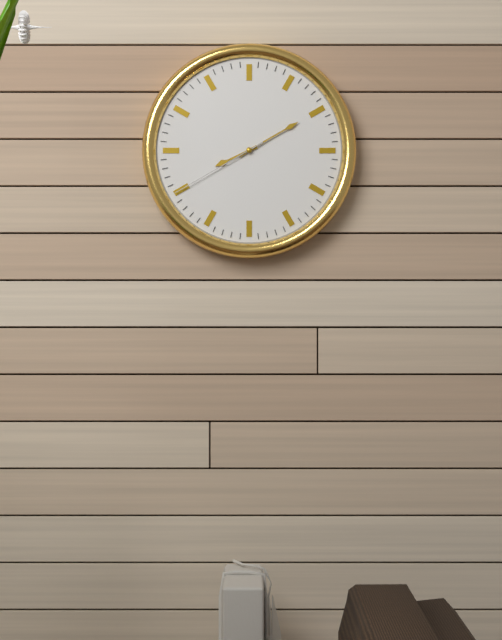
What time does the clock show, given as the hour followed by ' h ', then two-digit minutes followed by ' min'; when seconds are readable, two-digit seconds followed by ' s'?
8 h 10 min 40 s
